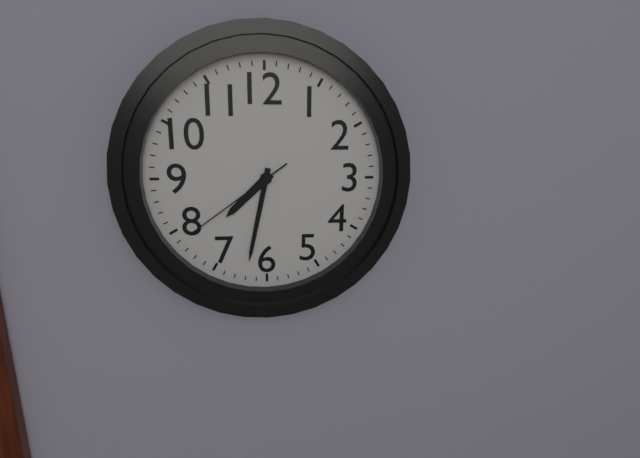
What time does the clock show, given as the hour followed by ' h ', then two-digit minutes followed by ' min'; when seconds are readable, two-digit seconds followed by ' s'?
7 h 32 min 39 s
